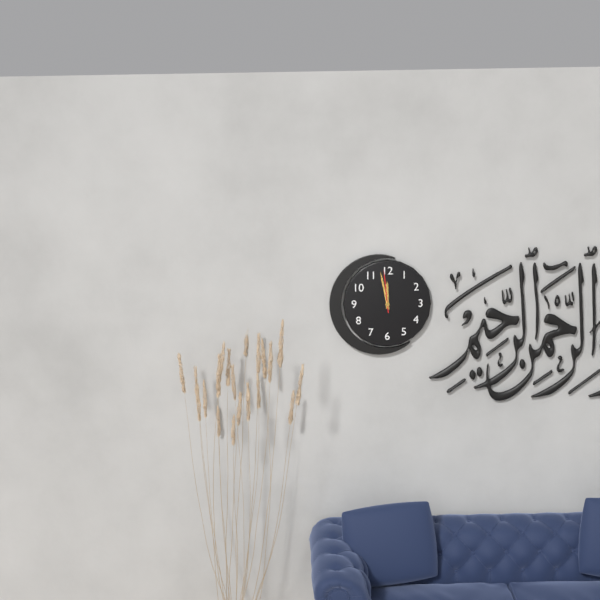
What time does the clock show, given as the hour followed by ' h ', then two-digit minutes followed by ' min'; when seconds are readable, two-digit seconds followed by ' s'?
11 h 58 min
